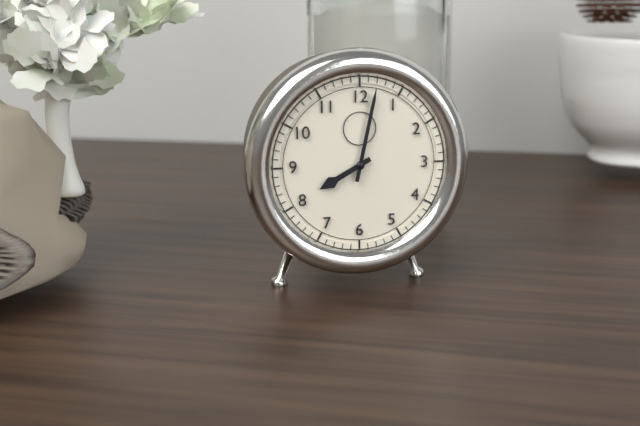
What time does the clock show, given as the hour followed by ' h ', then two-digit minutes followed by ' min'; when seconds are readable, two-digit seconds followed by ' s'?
8 h 02 min
